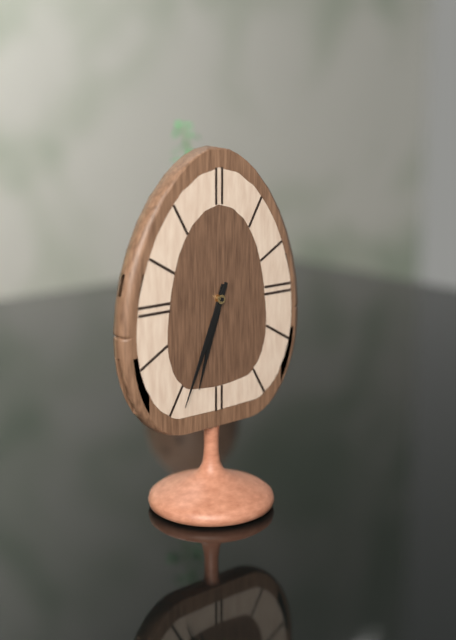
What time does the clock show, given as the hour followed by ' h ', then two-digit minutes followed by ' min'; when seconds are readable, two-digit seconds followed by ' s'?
6 h 34 min
